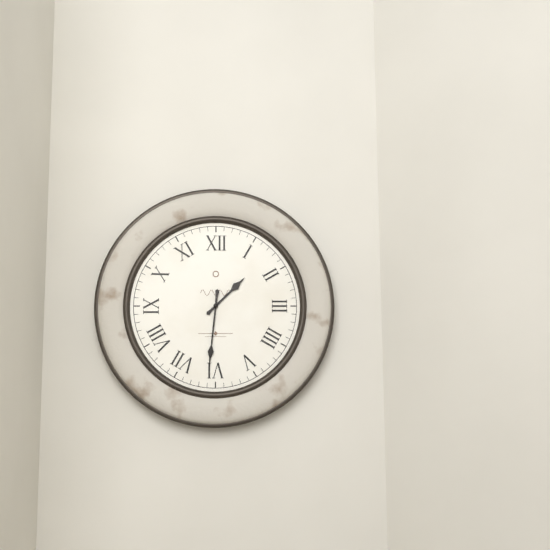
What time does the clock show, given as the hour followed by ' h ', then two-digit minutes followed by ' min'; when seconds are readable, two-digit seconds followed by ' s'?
1 h 31 min
